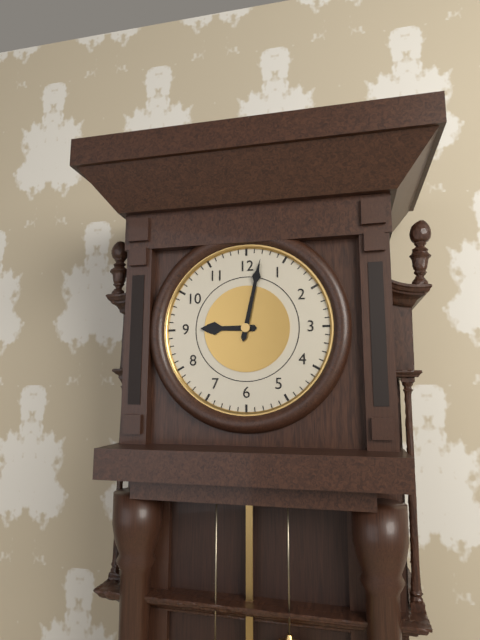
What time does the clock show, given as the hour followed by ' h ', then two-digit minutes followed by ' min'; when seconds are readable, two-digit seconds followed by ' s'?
9 h 02 min
